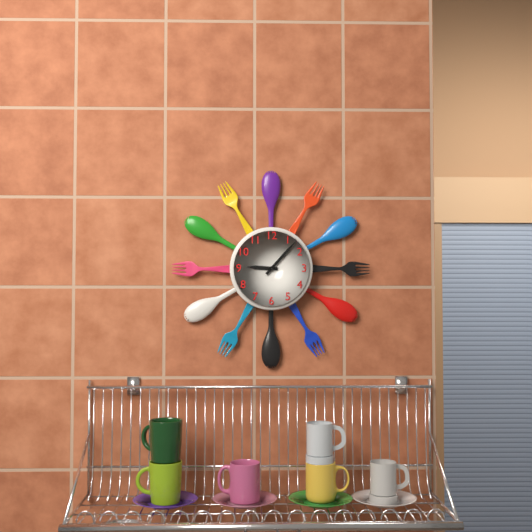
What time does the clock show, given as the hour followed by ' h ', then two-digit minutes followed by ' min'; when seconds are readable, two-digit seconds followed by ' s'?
9 h 07 min
